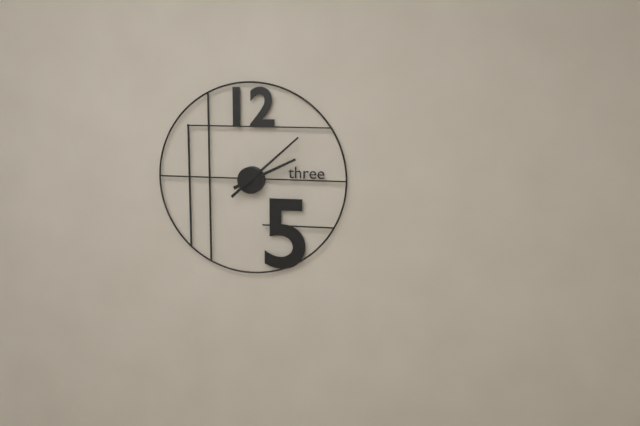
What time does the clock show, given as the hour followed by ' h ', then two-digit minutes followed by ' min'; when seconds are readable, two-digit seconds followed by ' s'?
2 h 08 min
